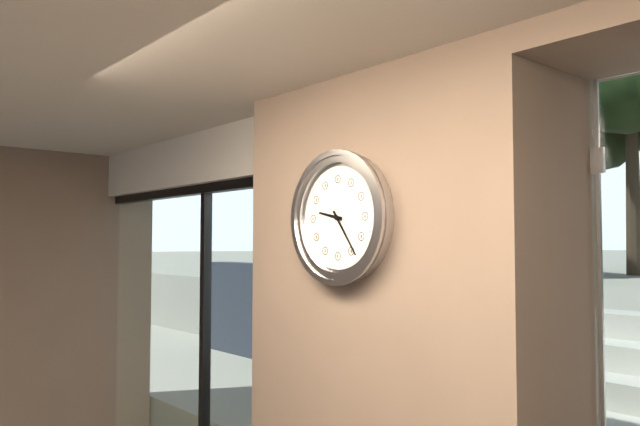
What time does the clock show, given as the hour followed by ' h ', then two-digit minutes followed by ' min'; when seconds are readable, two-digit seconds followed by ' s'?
9 h 24 min
